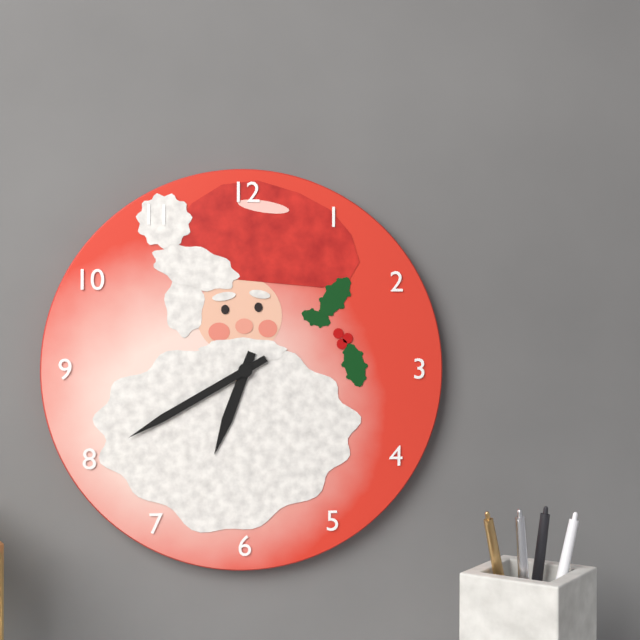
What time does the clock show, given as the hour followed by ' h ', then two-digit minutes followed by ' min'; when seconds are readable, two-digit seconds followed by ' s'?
6 h 40 min
